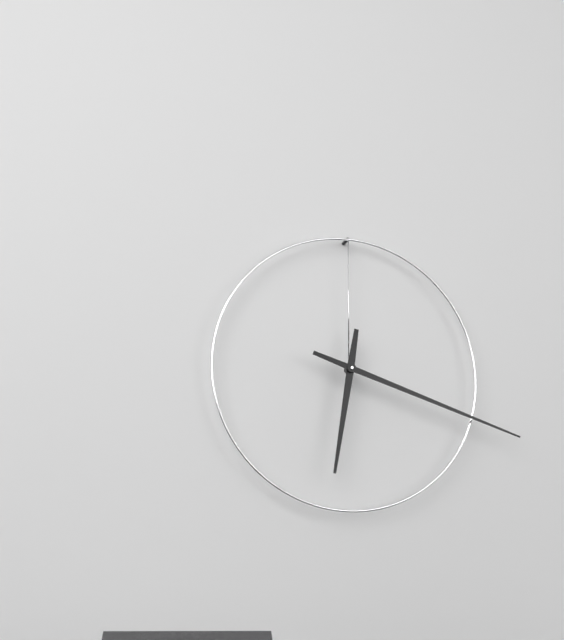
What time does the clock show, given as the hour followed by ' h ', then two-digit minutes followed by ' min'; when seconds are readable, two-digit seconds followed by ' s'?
6 h 18 min
